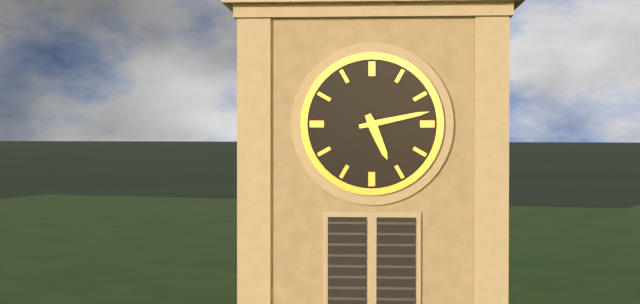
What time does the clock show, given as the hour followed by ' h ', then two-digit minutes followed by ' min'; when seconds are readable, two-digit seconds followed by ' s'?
5 h 13 min
